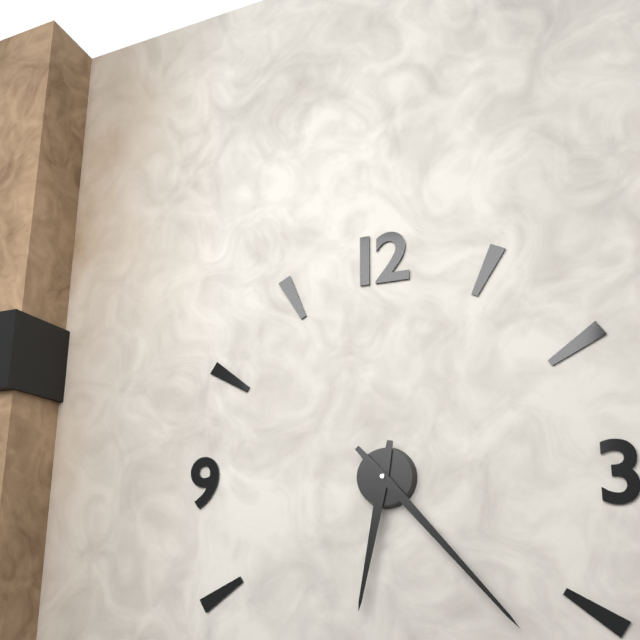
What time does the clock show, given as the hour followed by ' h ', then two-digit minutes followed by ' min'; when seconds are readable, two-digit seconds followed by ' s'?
6 h 23 min
